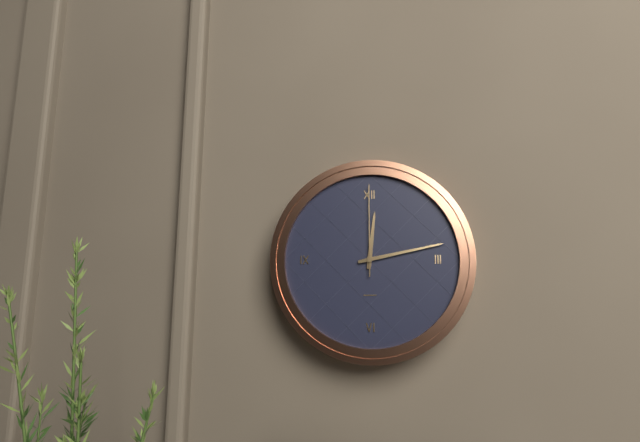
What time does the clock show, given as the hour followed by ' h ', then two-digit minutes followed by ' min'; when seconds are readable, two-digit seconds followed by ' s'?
12 h 13 min 00 s
